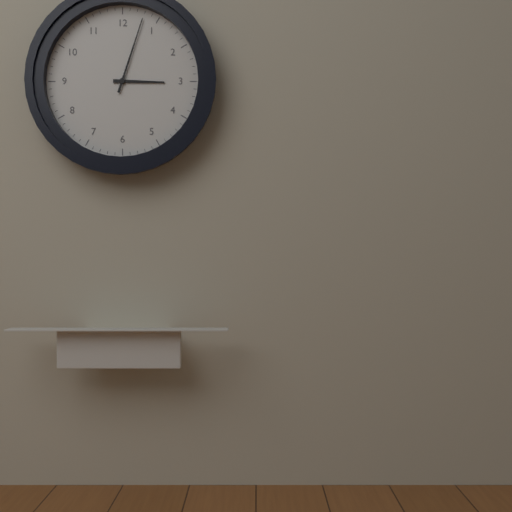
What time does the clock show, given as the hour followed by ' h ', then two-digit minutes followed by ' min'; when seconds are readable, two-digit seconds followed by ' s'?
3 h 03 min
